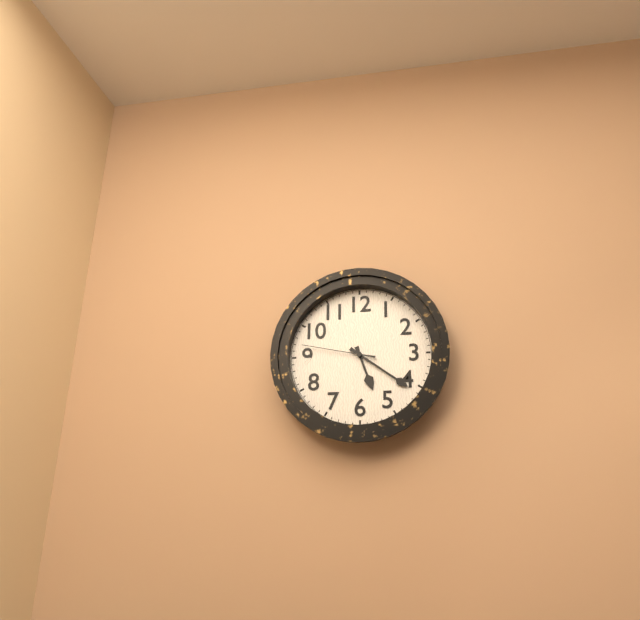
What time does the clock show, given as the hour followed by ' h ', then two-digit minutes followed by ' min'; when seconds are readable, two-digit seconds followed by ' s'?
5 h 21 min 47 s
